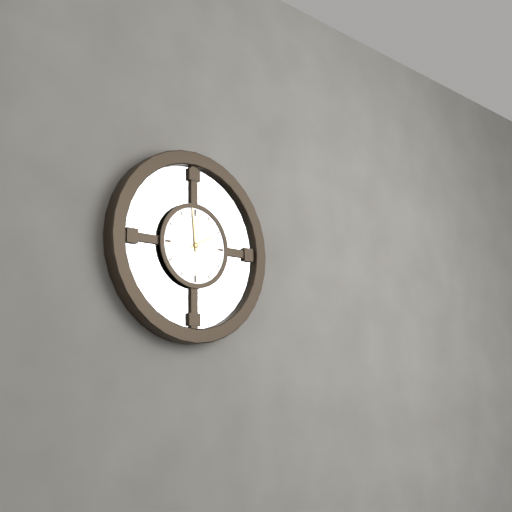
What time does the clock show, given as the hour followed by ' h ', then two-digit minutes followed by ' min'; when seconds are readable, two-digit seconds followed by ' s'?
1 h 59 min
